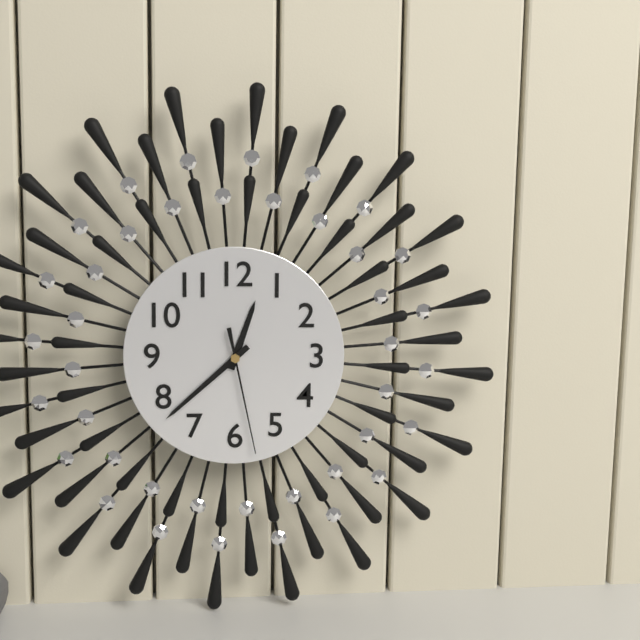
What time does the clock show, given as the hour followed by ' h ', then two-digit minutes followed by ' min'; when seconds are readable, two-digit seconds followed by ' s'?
12 h 38 min 28 s
